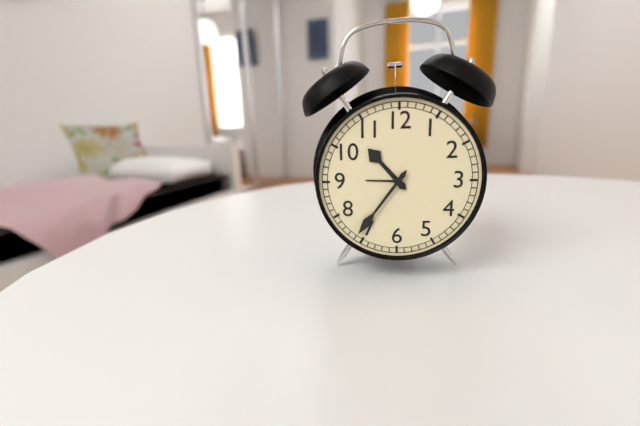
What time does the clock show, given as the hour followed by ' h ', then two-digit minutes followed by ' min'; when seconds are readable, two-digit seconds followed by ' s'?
10 h 36 min
